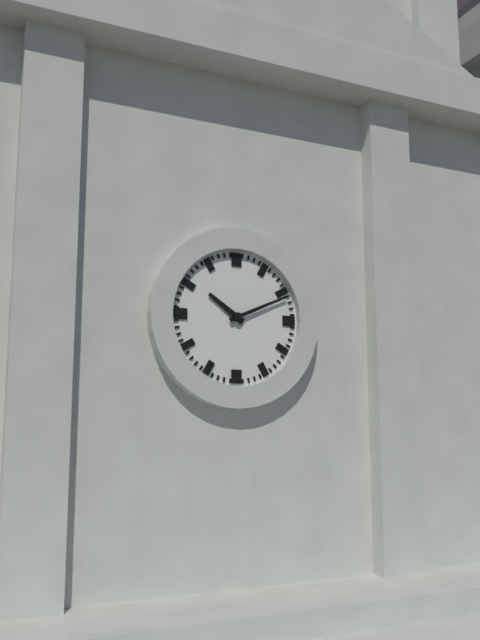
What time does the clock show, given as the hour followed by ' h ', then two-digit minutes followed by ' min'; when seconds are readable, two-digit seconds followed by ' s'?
10 h 11 min
